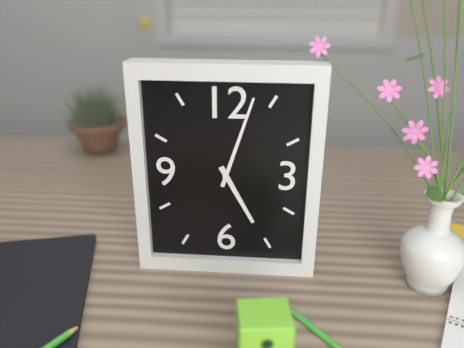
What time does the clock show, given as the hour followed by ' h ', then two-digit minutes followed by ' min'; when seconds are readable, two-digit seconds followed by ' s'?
5 h 03 min
